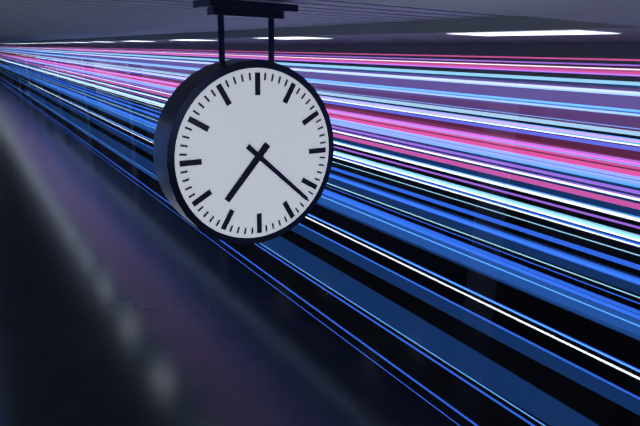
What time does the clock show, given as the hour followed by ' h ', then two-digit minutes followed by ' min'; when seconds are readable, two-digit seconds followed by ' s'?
7 h 22 min
